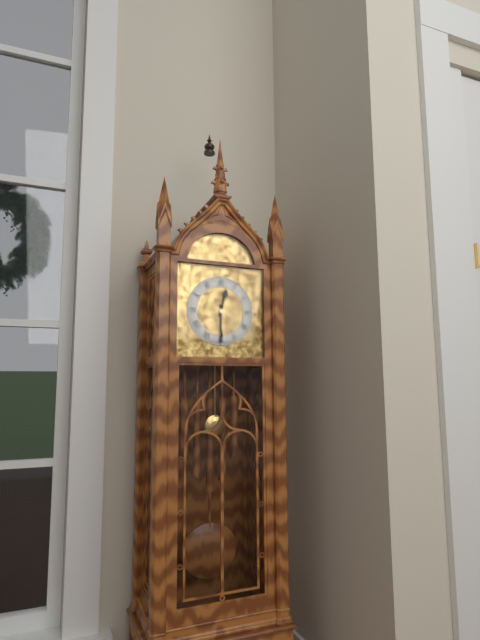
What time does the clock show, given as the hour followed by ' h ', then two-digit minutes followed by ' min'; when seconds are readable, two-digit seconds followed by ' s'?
12 h 30 min
